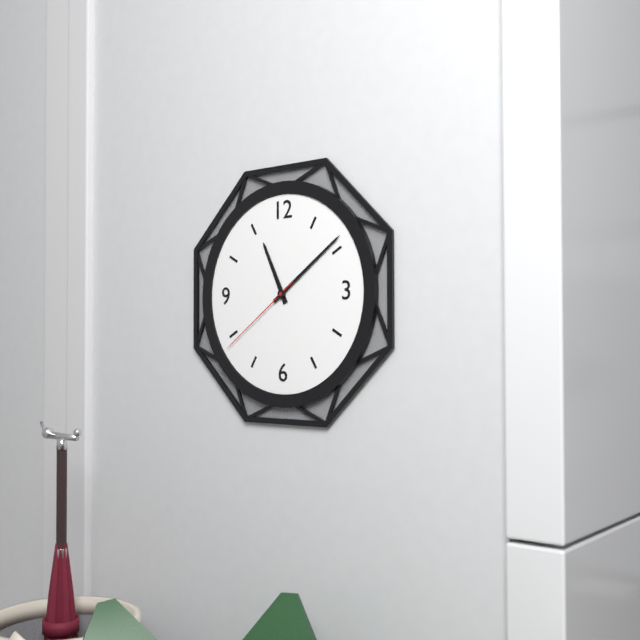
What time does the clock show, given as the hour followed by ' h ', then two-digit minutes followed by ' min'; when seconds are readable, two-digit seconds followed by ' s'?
11 h 09 min 39 s
